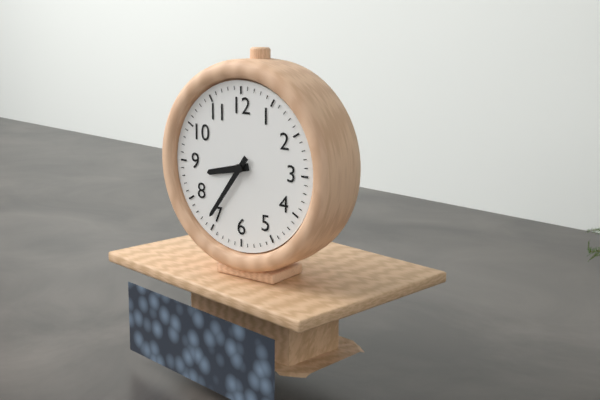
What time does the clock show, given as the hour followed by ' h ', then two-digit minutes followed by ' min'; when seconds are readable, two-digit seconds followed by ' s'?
8 h 36 min
